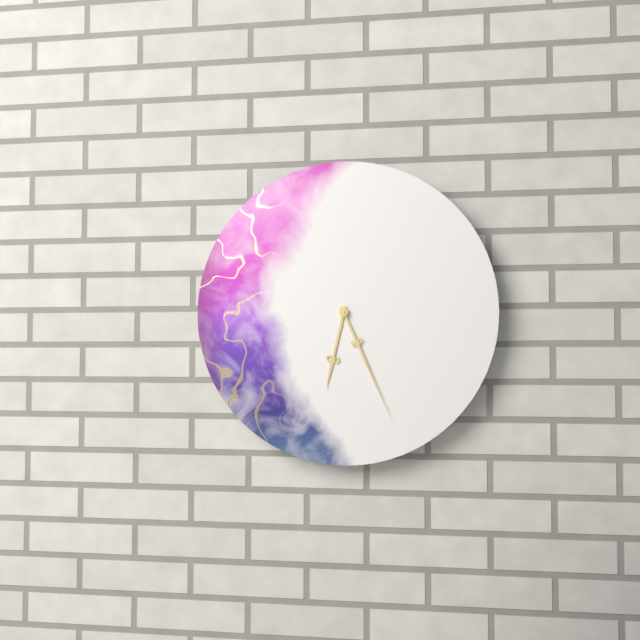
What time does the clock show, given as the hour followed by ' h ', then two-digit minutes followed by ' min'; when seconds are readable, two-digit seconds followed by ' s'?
6 h 26 min
